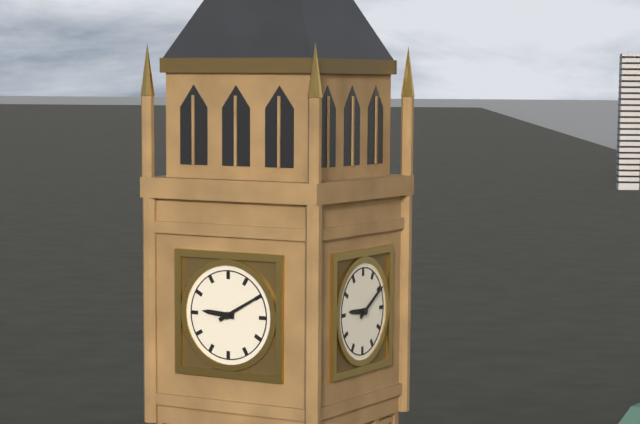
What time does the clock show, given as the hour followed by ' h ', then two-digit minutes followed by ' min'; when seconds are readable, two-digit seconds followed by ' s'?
9 h 10 min
